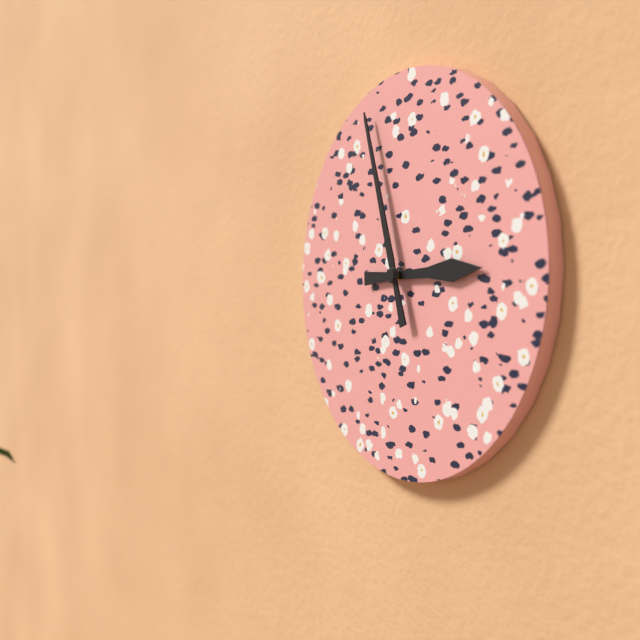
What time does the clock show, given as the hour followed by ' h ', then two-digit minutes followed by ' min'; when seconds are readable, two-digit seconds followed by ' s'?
2 h 57 min
